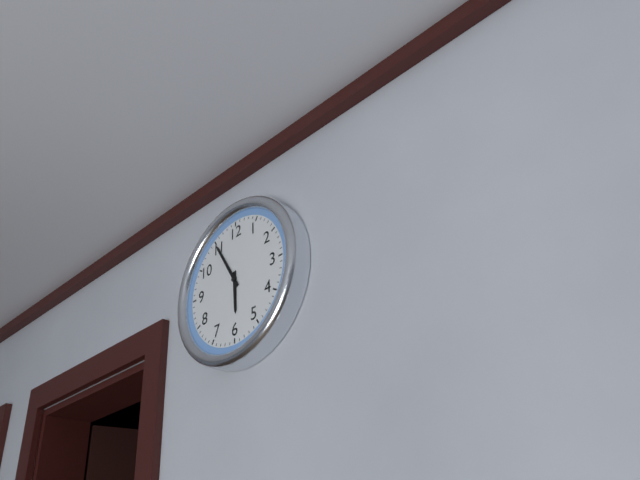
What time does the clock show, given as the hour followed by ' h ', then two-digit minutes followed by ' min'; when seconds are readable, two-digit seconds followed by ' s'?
5 h 55 min
